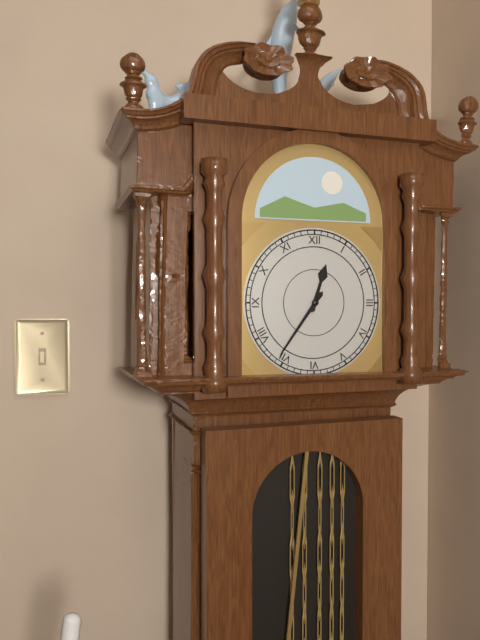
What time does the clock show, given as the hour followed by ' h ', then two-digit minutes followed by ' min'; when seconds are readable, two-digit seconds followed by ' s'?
12 h 36 min
